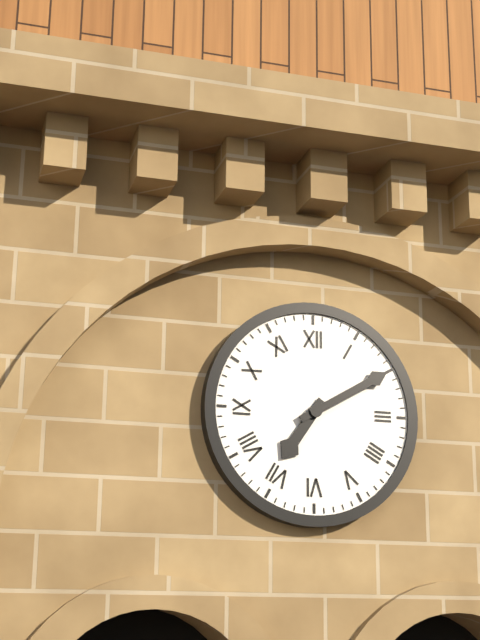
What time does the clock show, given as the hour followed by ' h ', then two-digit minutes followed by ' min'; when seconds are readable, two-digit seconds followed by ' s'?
7 h 10 min
